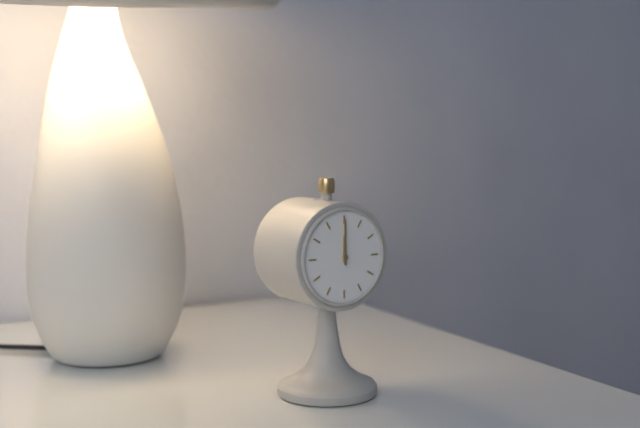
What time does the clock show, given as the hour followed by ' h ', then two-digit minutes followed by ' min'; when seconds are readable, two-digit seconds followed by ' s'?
12 h 00 min
